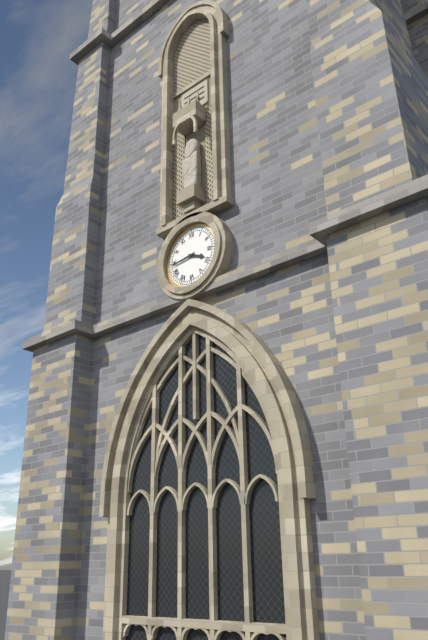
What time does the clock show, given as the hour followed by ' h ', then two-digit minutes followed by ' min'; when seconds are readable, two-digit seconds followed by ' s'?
3 h 44 min
